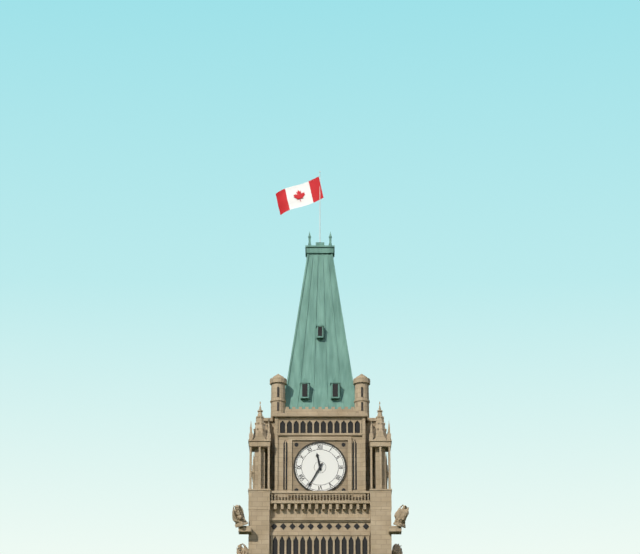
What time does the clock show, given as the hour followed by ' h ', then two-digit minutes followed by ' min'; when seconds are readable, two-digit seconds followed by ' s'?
11 h 35 min
